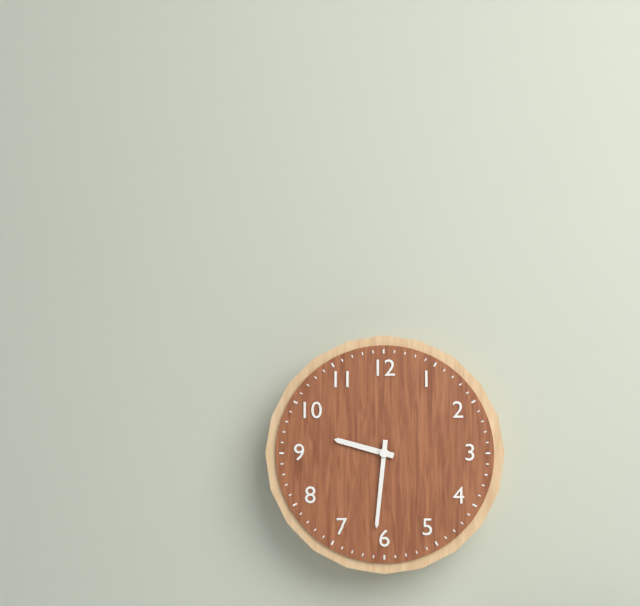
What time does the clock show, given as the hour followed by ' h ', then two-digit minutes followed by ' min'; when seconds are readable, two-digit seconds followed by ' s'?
9 h 31 min
